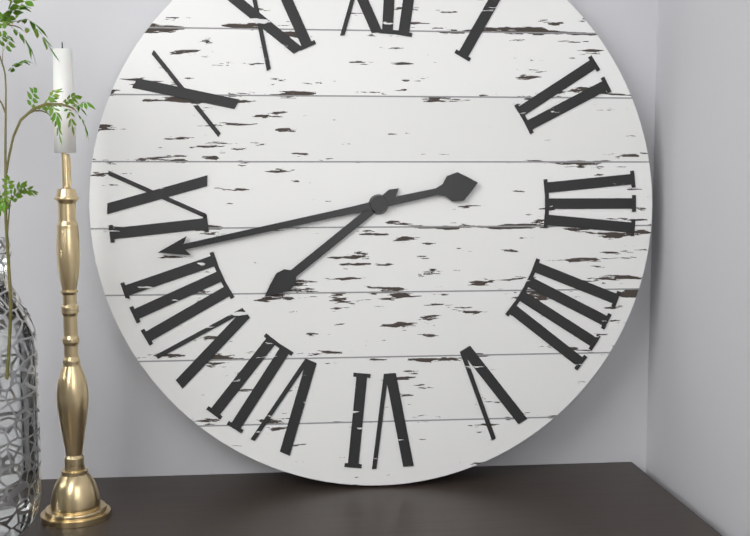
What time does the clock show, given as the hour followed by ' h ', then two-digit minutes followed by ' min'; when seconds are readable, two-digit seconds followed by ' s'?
7 h 43 min
